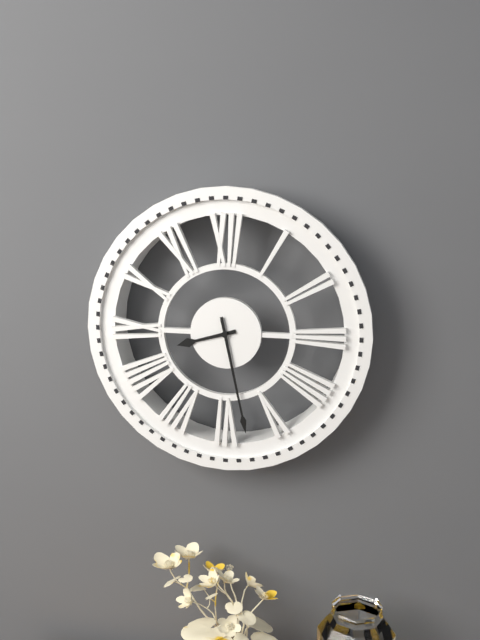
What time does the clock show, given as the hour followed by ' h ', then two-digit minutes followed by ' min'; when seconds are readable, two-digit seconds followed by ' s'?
8 h 28 min
